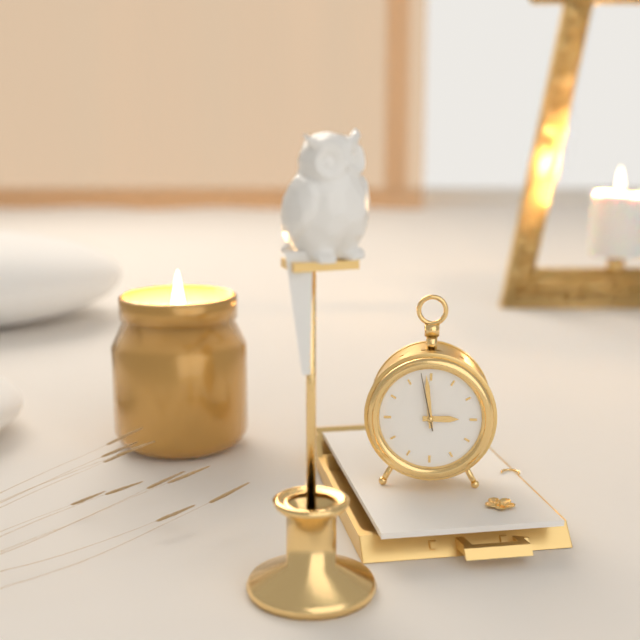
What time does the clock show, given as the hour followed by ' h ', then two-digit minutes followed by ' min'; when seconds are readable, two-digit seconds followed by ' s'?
2 h 59 min
